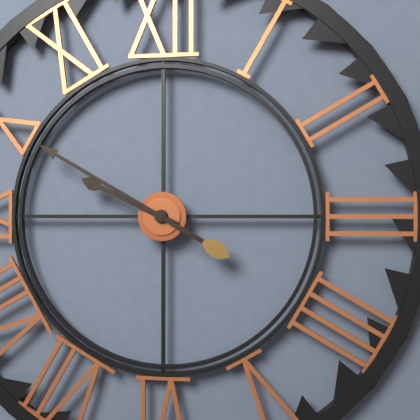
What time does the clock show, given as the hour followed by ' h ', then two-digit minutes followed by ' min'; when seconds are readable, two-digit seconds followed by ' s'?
9 h 50 min
